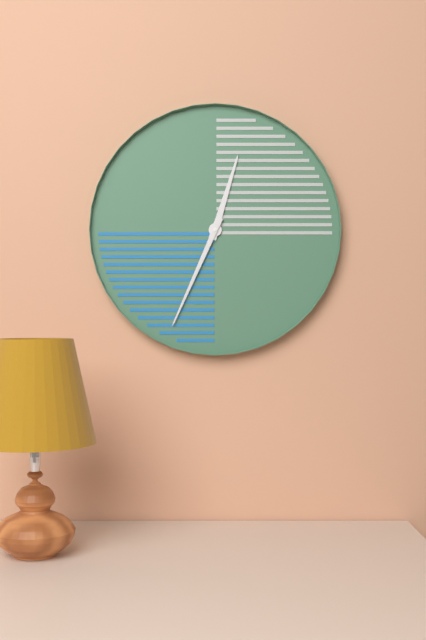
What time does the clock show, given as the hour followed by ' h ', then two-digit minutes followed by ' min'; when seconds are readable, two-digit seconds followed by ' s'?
12 h 34 min
